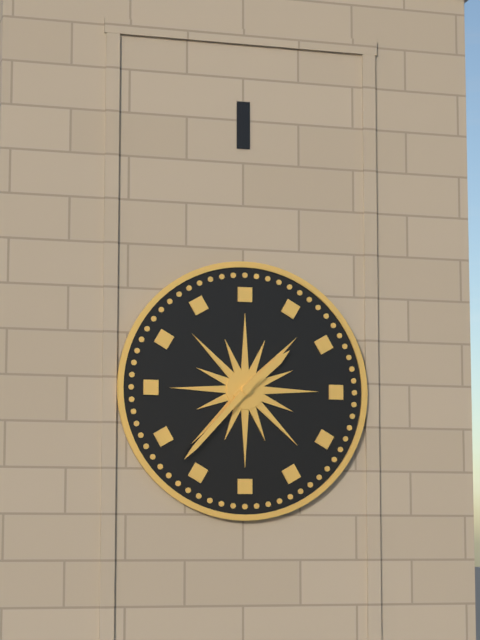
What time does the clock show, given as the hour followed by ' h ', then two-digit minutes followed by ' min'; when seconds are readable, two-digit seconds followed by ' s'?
1 h 37 min
